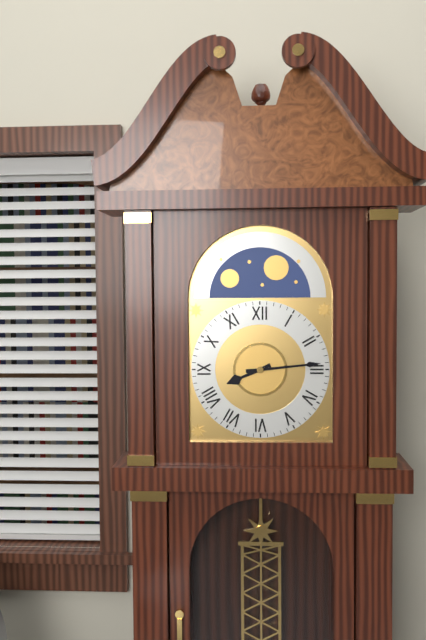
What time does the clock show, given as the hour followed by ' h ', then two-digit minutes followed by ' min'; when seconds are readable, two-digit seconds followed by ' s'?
8 h 14 min
